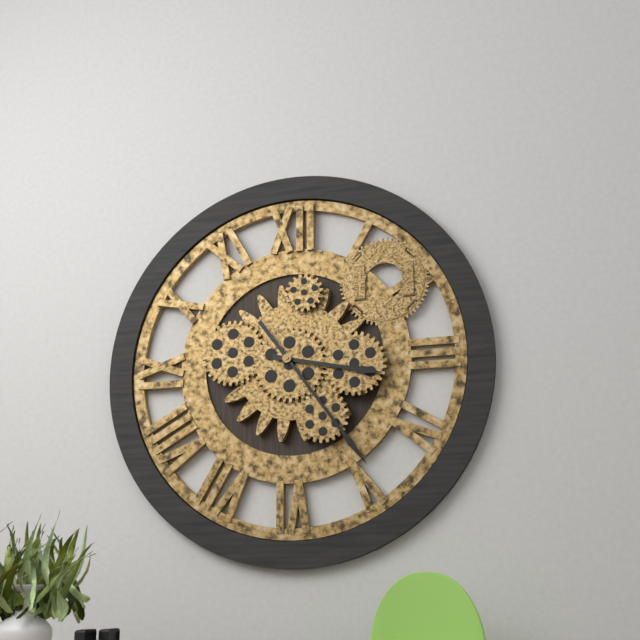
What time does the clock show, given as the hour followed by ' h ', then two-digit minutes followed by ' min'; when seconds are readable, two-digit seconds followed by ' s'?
3 h 24 min
